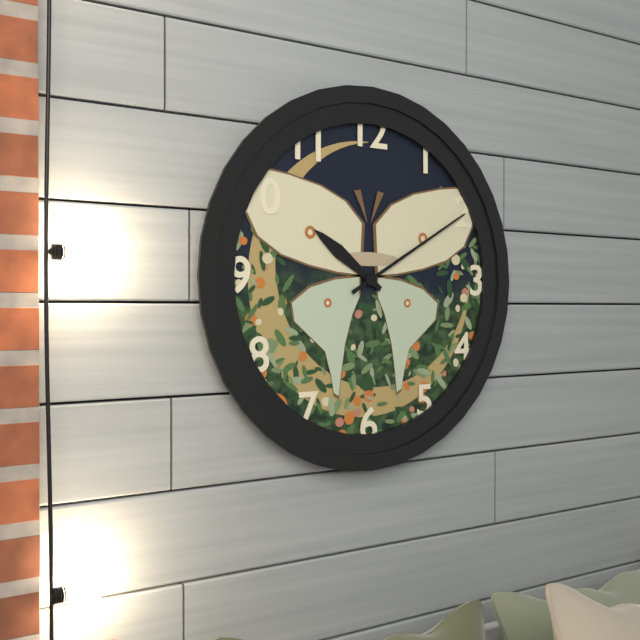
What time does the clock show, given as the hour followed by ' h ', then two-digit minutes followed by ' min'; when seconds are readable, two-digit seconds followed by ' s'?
10 h 10 min
